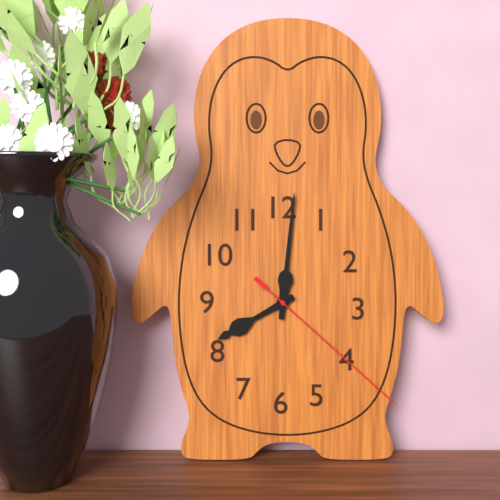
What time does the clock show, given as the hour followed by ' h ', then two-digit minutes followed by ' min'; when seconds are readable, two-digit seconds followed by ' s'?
8 h 01 min 22 s
